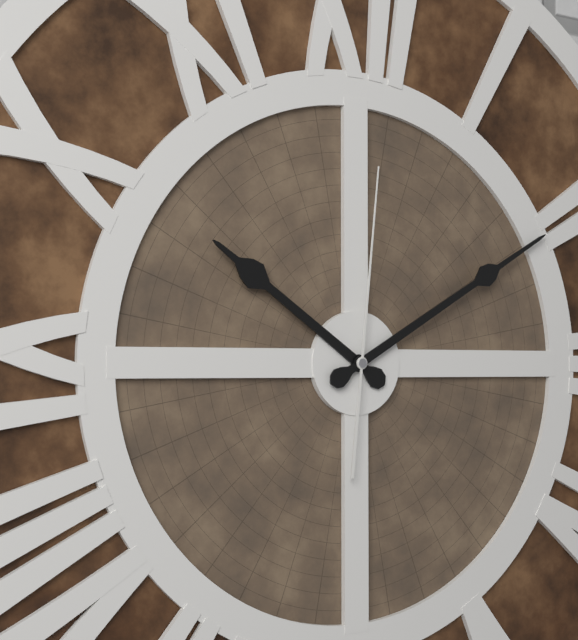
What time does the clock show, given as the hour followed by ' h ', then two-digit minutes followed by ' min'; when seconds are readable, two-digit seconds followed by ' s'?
10 h 10 min 01 s
